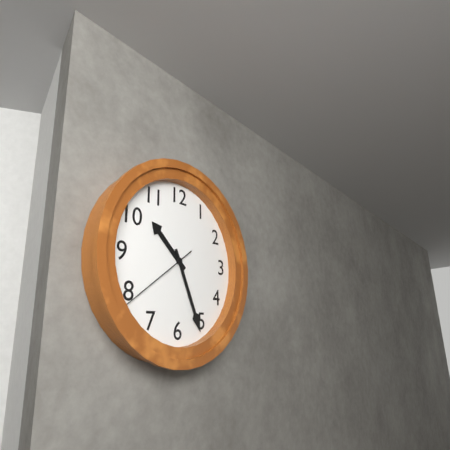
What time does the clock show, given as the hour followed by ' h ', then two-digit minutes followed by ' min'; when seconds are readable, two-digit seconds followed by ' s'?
10 h 26 min 39 s
